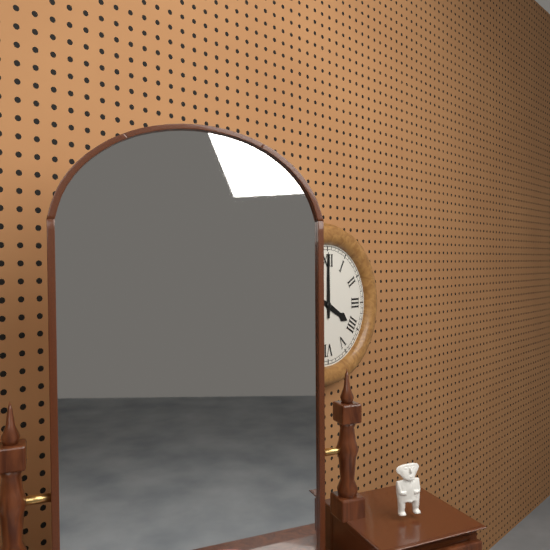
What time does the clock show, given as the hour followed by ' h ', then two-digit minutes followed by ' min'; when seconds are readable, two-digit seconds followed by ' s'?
4 h 00 min
